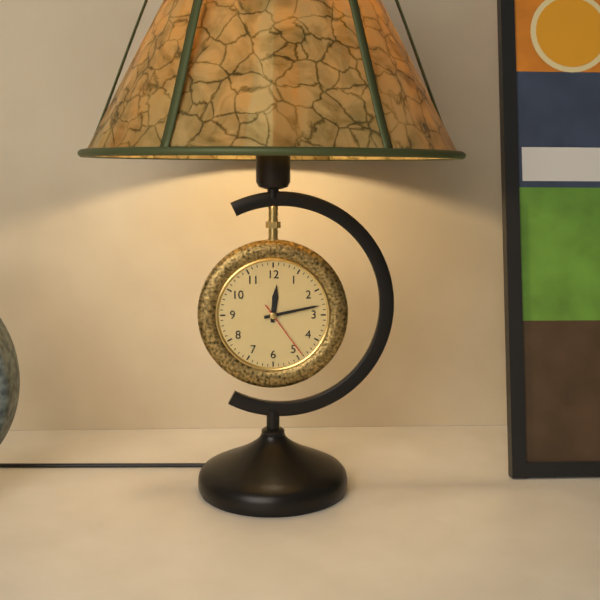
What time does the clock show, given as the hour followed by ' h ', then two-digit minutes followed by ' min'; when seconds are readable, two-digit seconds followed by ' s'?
12 h 13 min 24 s
